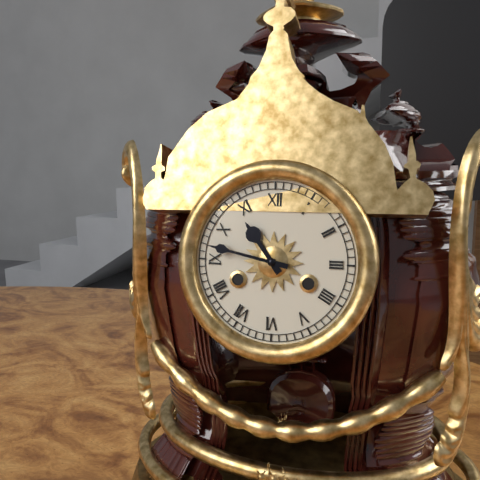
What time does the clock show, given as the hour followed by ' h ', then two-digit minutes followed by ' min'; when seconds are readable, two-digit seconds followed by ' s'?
10 h 47 min
